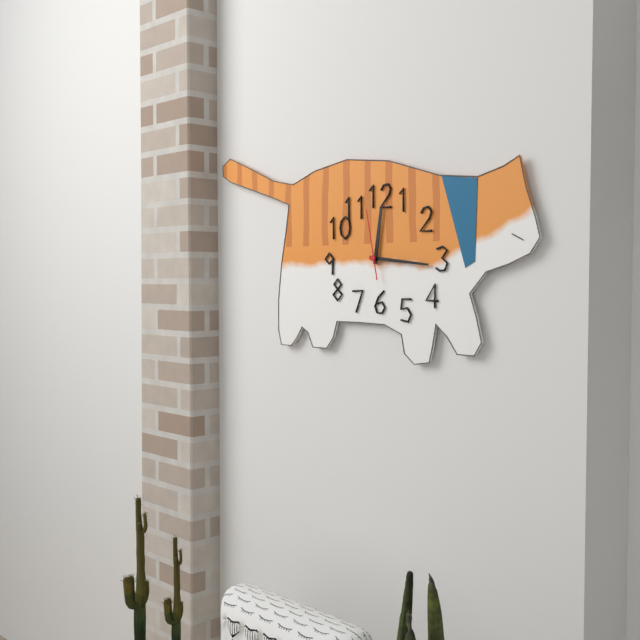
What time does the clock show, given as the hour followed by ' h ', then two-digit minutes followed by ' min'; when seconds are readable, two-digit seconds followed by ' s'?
12 h 16 min 58 s
